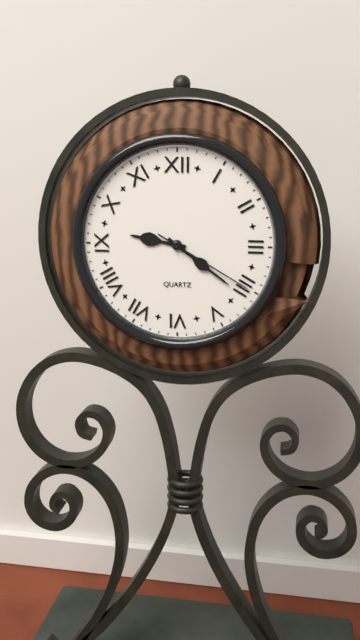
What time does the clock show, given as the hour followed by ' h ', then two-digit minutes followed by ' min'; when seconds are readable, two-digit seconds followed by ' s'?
9 h 21 min 20 s
